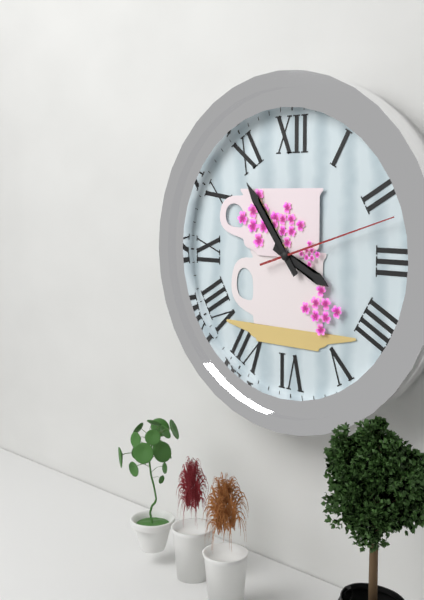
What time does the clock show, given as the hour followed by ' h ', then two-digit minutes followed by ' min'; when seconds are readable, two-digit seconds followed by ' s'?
3 h 54 min 12 s
